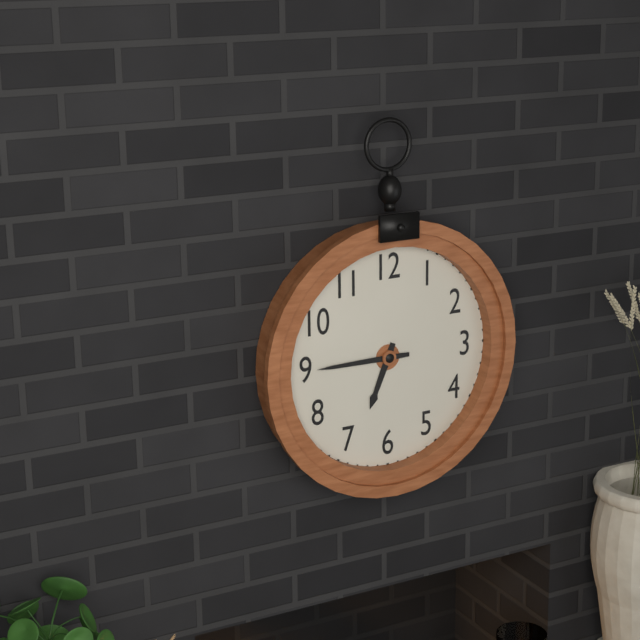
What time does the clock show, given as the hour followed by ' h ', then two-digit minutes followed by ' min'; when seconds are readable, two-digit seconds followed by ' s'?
6 h 45 min
